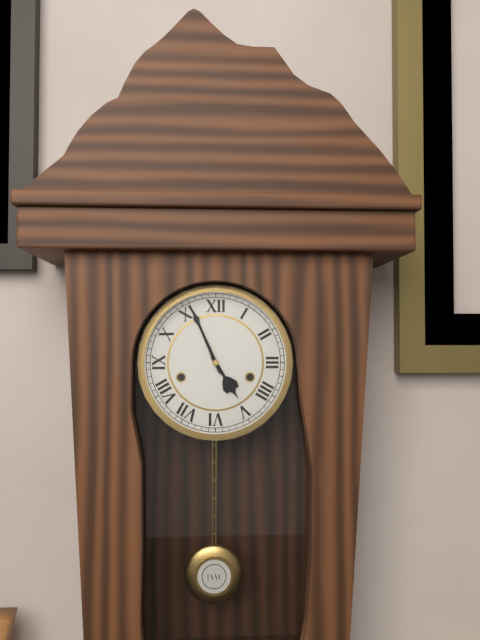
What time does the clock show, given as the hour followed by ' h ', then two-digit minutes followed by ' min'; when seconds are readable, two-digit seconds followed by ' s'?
4 h 56 min
